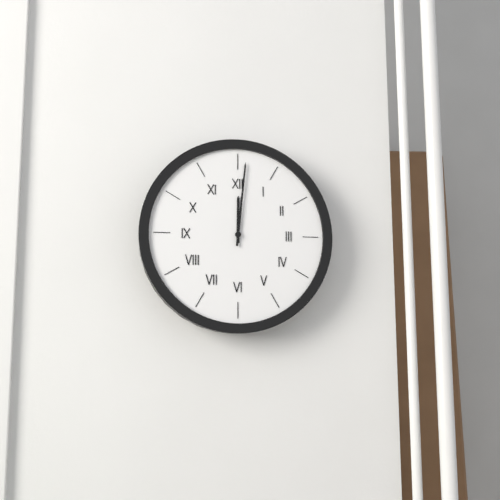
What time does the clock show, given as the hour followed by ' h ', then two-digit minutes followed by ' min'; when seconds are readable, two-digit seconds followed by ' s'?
12 h 01 min
